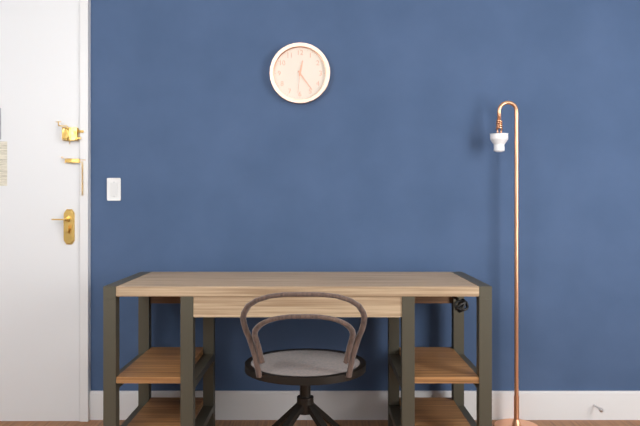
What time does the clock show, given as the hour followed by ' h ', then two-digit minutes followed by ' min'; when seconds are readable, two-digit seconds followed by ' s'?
12 h 24 min
